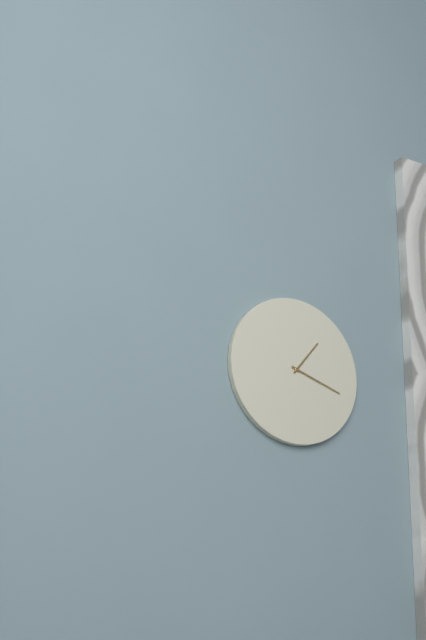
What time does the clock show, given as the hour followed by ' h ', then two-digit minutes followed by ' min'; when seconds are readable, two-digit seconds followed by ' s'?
1 h 18 min
